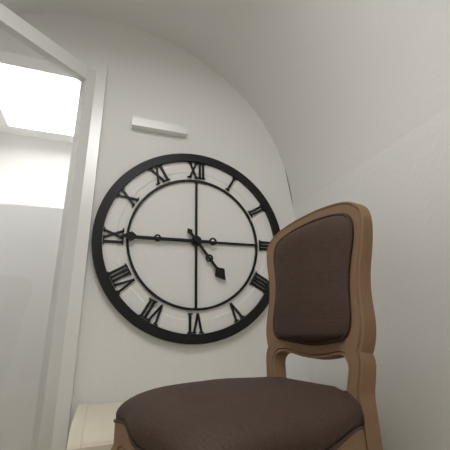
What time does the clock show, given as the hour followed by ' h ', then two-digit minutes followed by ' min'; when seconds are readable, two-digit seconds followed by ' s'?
4 h 45 min
